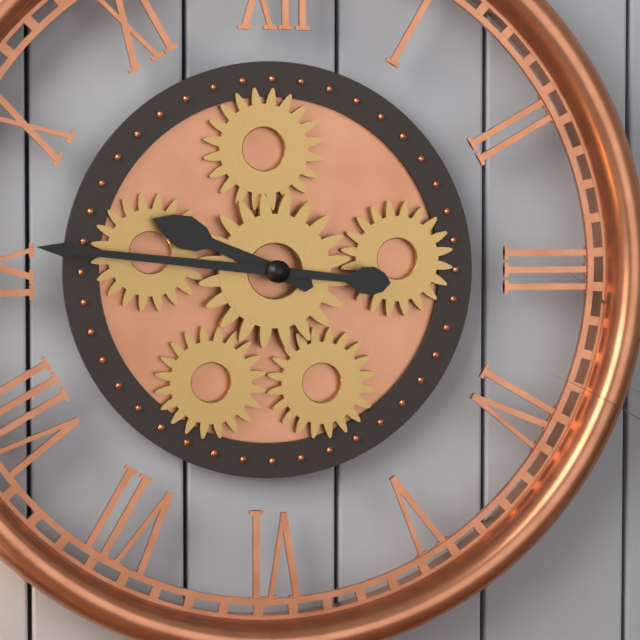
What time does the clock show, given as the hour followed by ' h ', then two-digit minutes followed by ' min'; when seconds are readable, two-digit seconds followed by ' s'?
9 h 46 min
